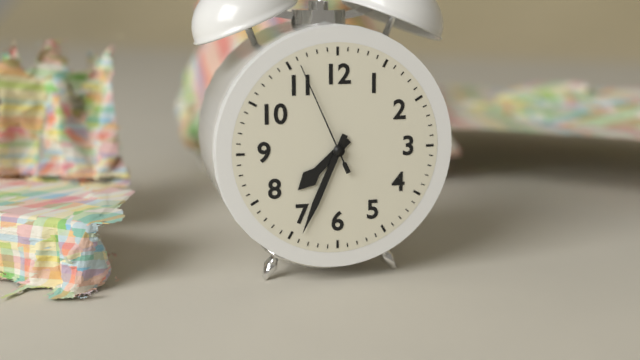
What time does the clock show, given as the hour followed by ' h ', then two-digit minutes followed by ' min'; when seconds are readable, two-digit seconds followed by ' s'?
7 h 34 min 56 s
